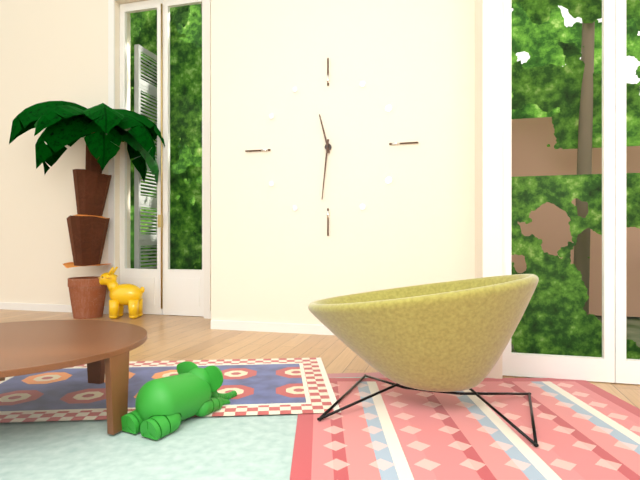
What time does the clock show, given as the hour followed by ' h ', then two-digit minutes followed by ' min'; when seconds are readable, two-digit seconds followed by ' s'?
11 h 31 min
